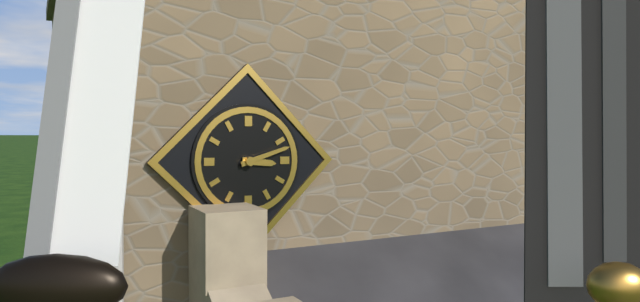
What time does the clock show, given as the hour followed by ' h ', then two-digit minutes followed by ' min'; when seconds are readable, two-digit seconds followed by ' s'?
3 h 12 min
